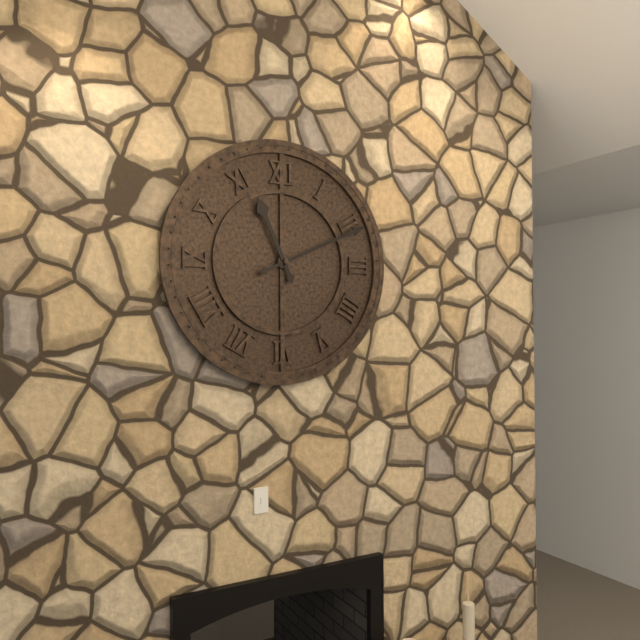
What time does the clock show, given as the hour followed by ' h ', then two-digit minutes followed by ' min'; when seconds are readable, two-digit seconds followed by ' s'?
11 h 11 min
